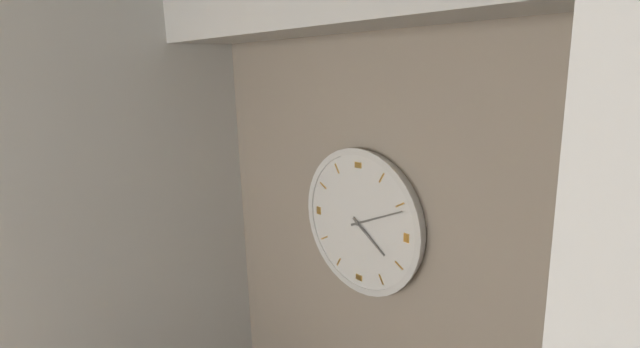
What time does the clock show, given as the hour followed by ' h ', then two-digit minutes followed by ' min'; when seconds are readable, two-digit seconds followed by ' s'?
4 h 11 min
